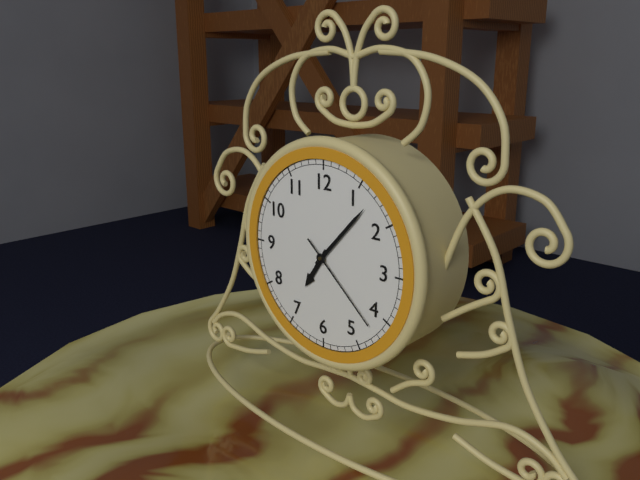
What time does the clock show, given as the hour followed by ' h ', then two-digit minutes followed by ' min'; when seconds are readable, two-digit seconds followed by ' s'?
7 h 07 min 22 s
